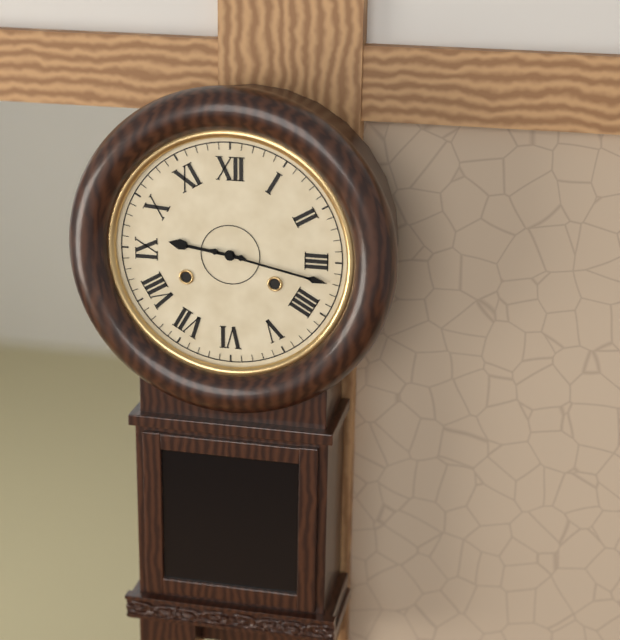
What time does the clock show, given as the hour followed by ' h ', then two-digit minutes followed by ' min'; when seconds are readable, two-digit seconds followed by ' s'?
9 h 17 min
